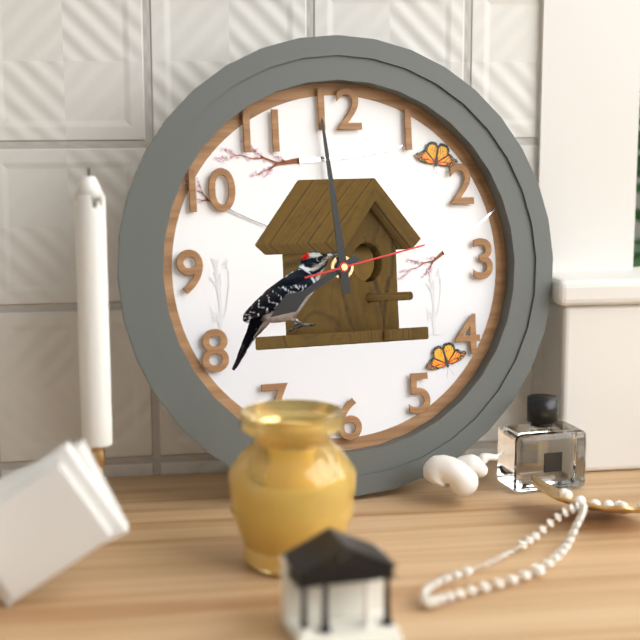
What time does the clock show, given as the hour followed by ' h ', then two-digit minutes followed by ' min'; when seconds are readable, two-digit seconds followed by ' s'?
7 h 59 min 13 s
